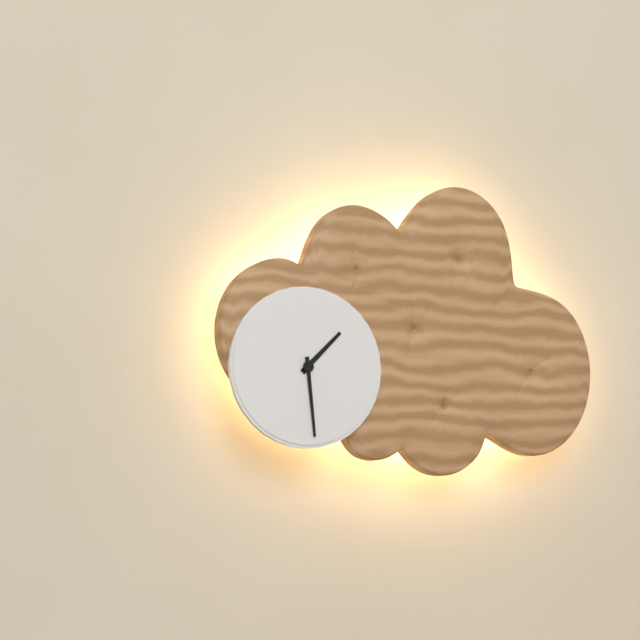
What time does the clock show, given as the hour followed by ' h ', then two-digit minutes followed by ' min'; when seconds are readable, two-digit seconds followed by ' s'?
1 h 29 min
